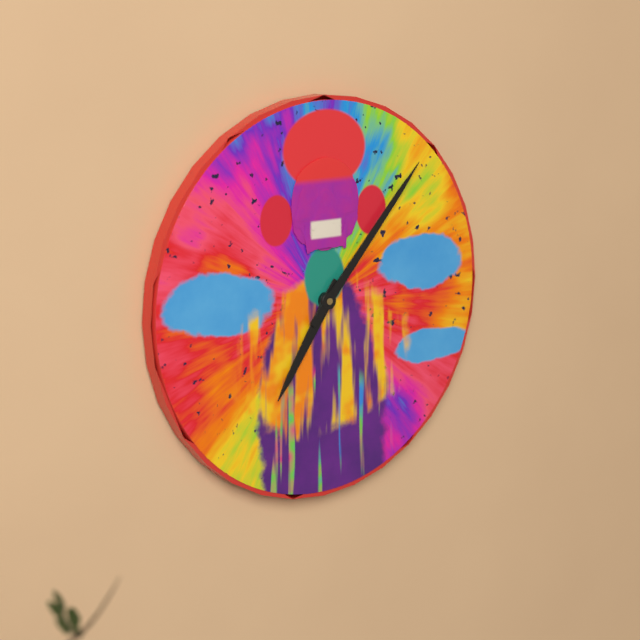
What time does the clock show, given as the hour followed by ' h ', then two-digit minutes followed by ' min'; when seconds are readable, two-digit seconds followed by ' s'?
7 h 07 min
